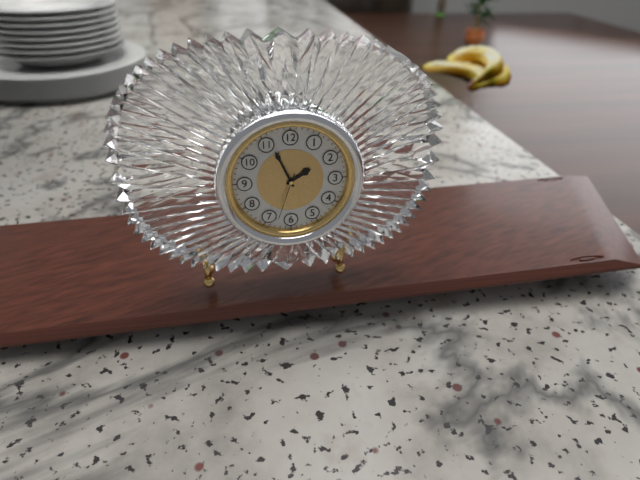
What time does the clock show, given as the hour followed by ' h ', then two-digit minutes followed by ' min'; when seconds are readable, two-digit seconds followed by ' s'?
1 h 56 min
